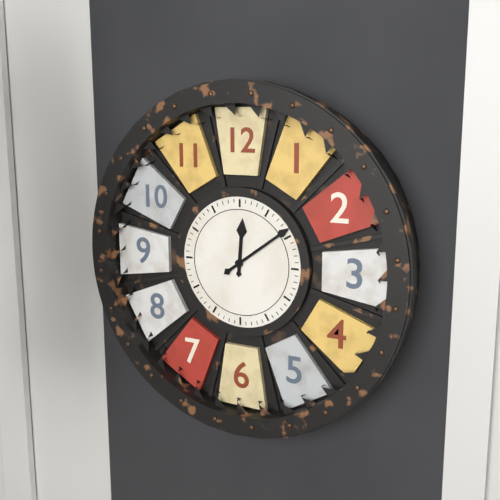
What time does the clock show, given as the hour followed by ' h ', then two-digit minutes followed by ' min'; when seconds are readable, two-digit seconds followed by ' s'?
12 h 09 min
